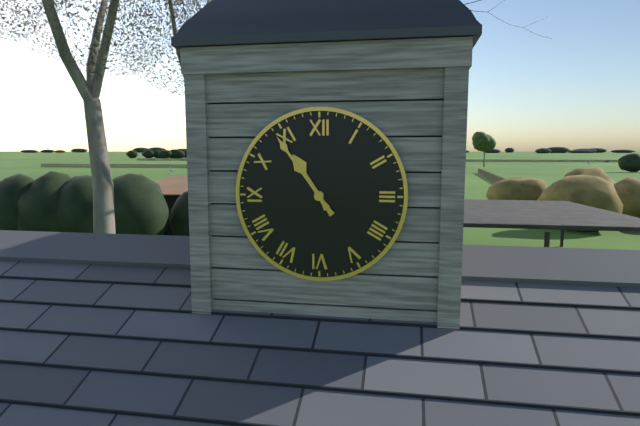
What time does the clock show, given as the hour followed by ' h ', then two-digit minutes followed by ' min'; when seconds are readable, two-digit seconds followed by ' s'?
10 h 54 min
